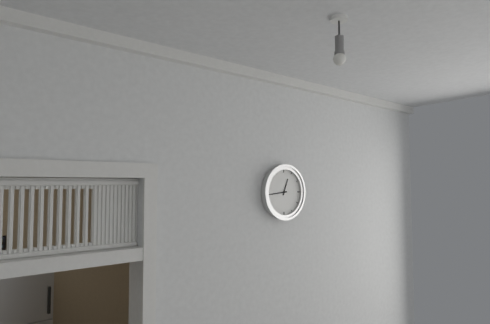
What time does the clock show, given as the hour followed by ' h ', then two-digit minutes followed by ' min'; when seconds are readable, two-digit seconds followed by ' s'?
12 h 44 min
